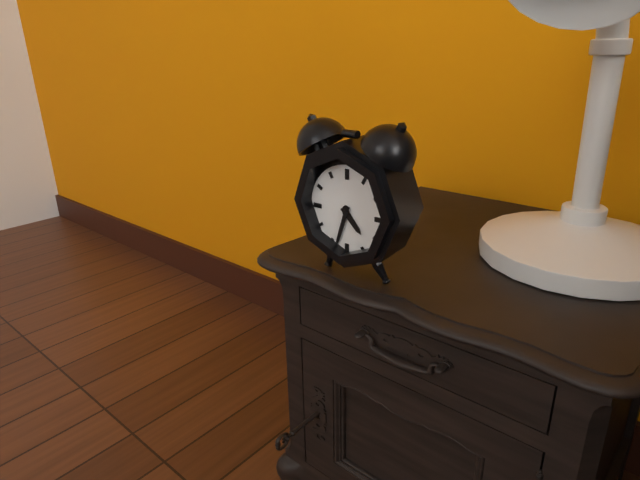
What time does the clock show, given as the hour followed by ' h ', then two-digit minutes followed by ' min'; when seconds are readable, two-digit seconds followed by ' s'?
4 h 33 min
